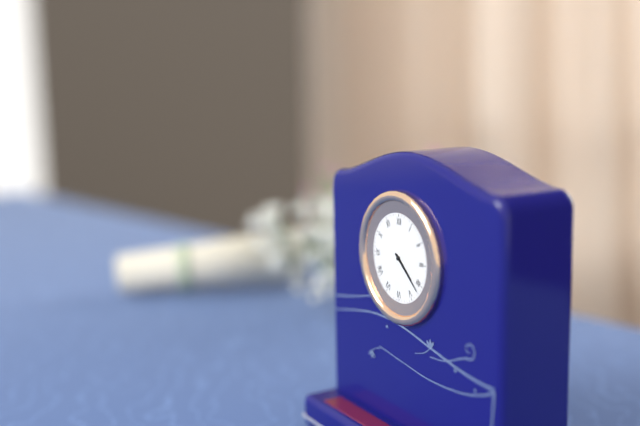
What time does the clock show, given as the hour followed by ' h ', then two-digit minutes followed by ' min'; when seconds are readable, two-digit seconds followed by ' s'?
4 h 22 min
